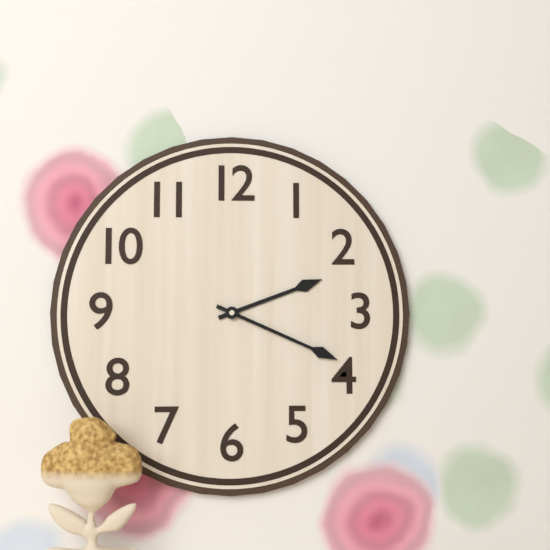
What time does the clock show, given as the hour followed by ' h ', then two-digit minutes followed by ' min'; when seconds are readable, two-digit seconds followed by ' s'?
2 h 19 min
